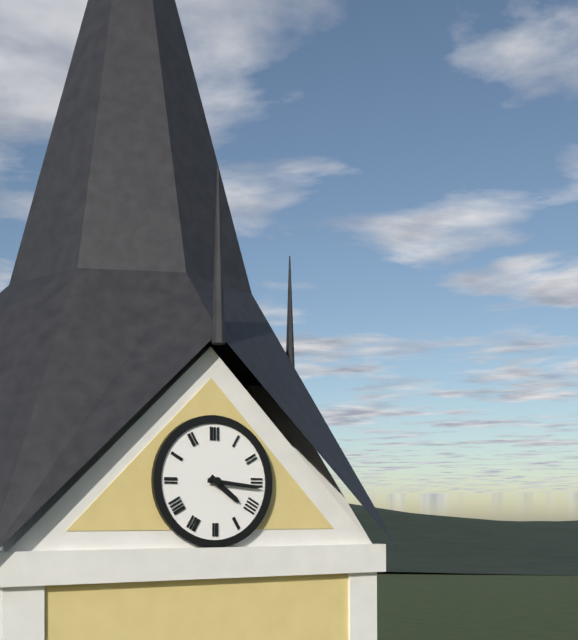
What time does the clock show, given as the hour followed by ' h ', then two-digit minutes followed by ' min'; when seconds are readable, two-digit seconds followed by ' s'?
4 h 16 min
